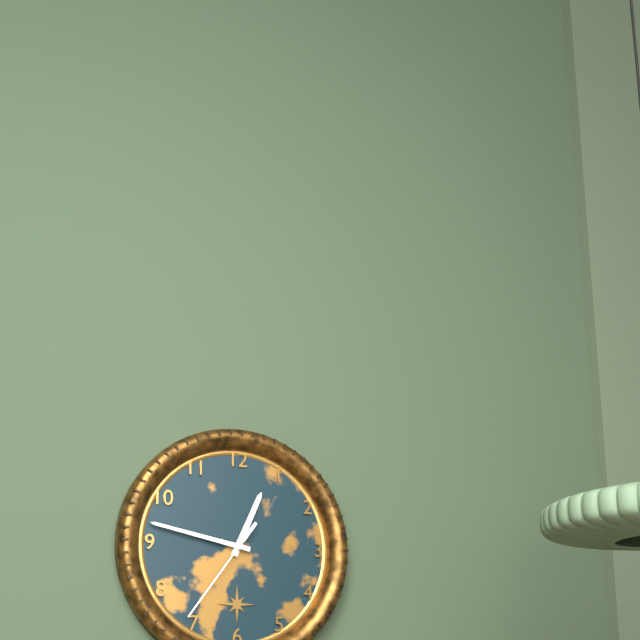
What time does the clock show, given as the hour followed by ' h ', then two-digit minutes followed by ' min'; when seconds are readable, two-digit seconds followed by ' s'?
12 h 47 min 36 s
